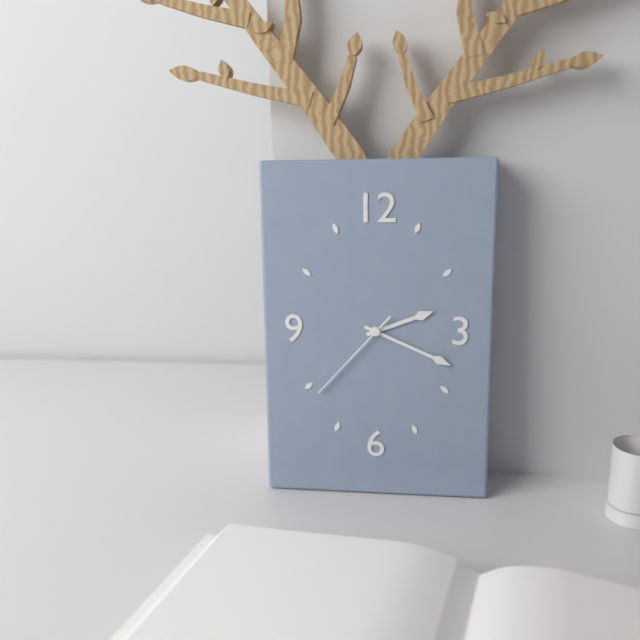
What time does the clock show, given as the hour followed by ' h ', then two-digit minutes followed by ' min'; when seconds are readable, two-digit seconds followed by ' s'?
2 h 19 min 37 s
